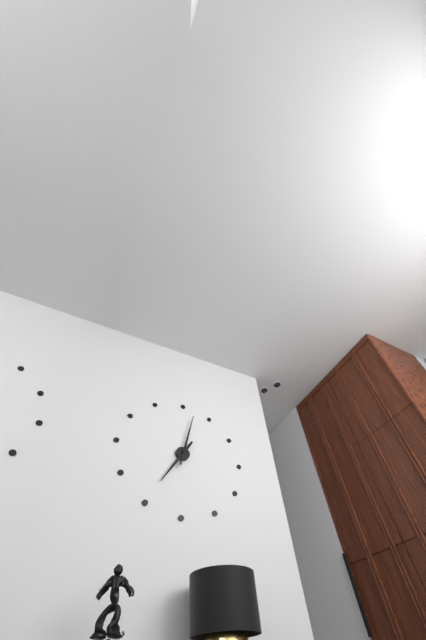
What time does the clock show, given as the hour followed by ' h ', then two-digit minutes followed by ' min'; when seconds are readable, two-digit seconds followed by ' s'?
7 h 02 min
